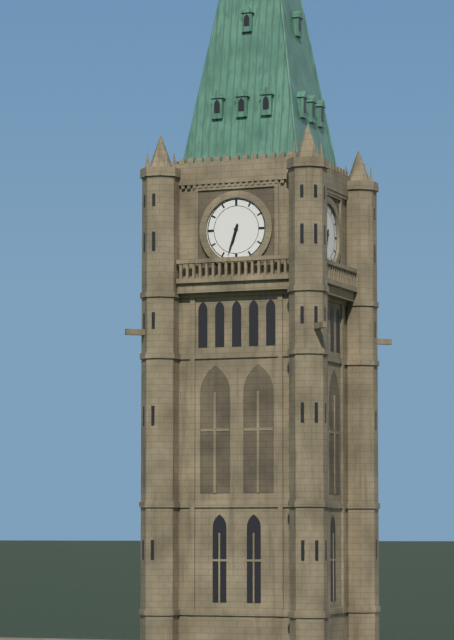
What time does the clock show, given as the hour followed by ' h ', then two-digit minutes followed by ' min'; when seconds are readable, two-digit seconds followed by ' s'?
6 h 33 min
